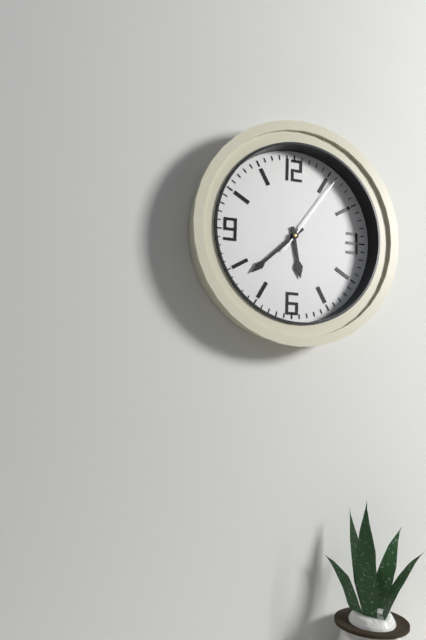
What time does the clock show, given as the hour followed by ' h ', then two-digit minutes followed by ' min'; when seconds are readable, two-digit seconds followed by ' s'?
5 h 38 min 06 s
